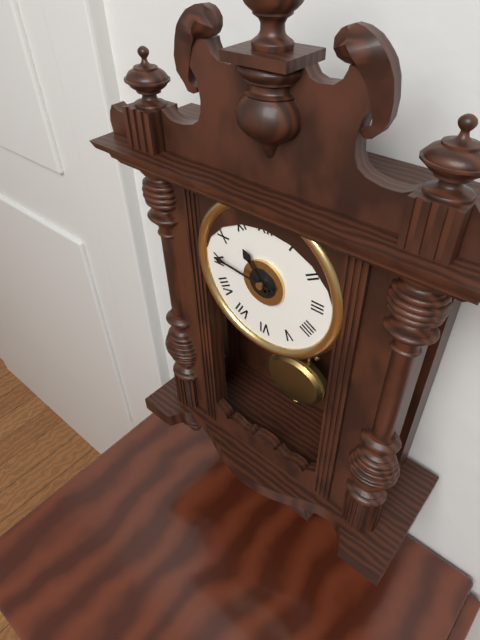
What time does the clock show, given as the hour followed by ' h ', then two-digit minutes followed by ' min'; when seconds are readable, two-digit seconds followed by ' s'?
10 h 46 min
